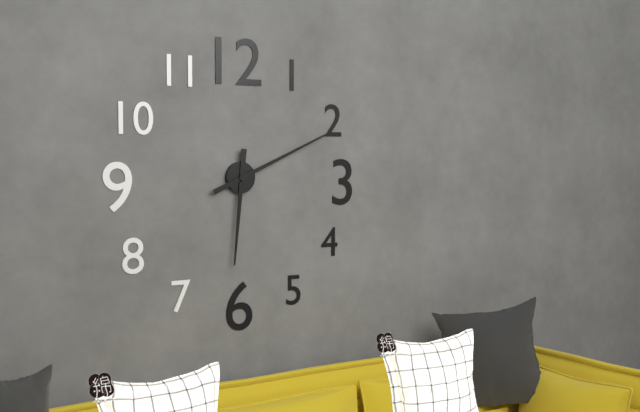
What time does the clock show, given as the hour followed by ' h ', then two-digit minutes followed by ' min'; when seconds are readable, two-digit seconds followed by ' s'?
6 h 11 min
